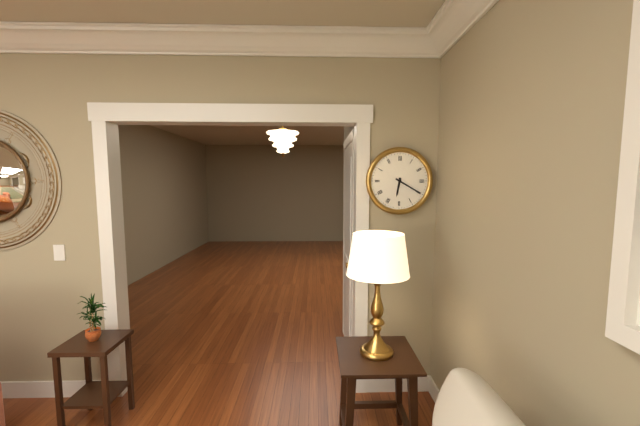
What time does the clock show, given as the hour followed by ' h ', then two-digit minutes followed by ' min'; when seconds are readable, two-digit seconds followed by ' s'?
6 h 20 min
